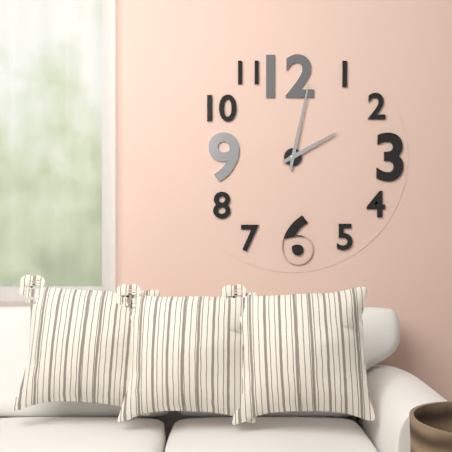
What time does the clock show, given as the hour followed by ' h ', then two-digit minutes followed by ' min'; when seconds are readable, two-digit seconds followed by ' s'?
2 h 02 min
